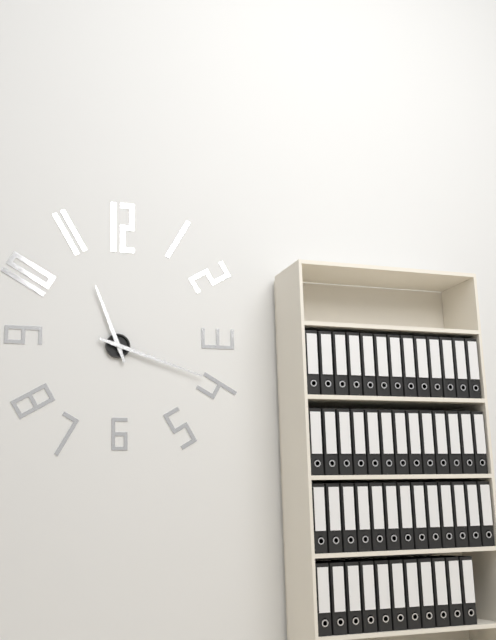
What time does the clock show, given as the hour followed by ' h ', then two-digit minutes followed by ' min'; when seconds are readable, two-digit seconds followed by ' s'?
11 h 18 min
